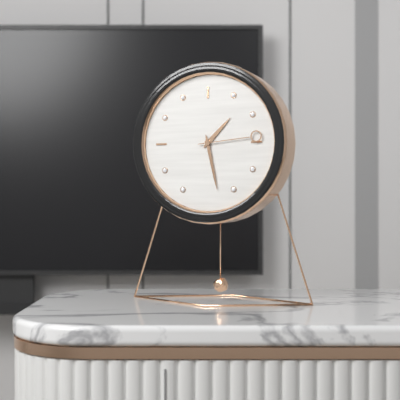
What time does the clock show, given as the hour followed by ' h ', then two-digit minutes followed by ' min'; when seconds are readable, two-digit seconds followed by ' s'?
1 h 28 min 14 s
